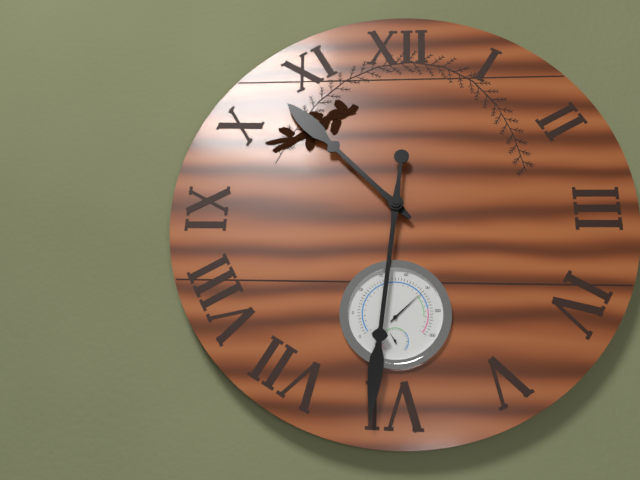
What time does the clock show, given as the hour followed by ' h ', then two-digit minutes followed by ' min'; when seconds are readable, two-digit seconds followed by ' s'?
10 h 31 min
